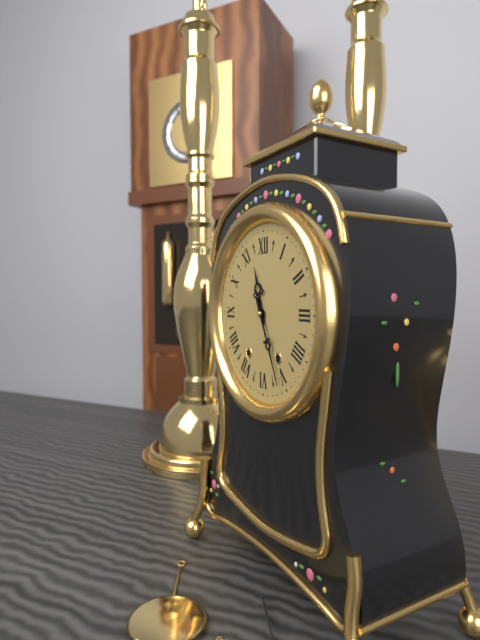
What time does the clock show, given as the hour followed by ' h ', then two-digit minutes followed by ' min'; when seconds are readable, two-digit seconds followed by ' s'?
11 h 26 min
